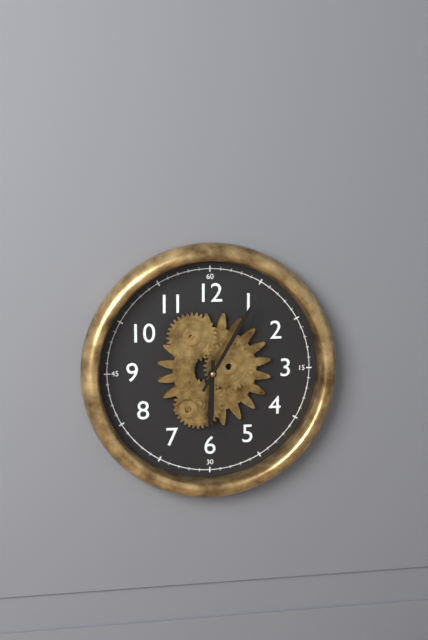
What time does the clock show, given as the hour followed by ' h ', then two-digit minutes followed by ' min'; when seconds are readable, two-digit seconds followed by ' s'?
6 h 05 min
